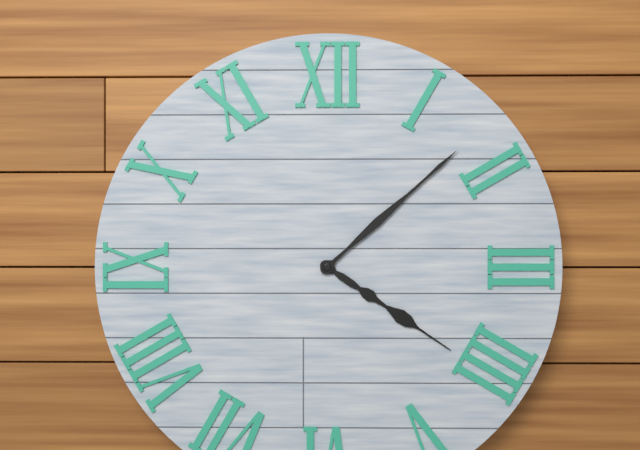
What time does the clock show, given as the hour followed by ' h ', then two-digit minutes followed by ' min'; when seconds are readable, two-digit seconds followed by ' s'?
4 h 08 min
